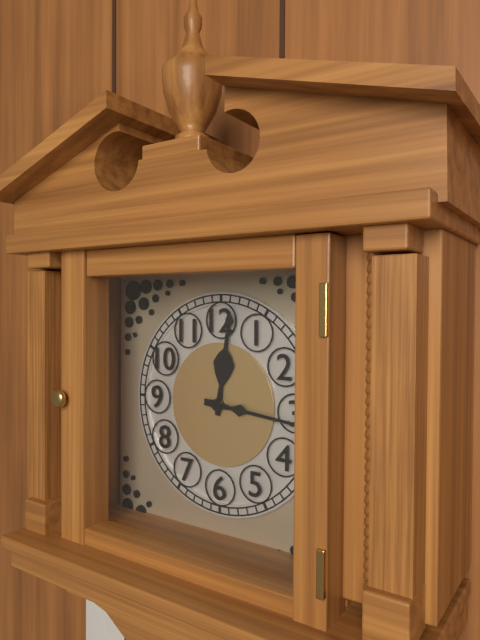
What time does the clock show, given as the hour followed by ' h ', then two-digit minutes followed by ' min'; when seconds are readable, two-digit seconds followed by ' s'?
12 h 16 min
